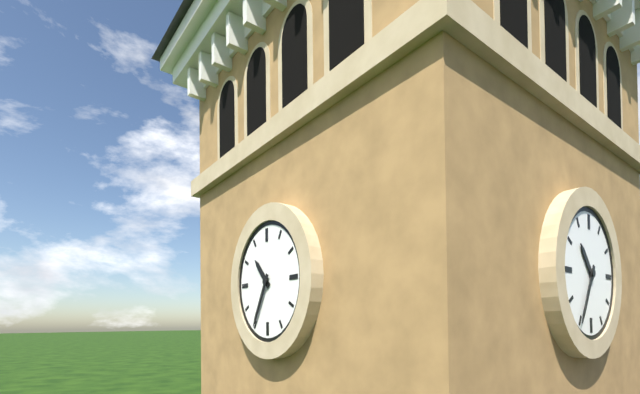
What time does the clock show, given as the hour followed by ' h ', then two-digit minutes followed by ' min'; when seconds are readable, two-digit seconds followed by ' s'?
10 h 35 min
